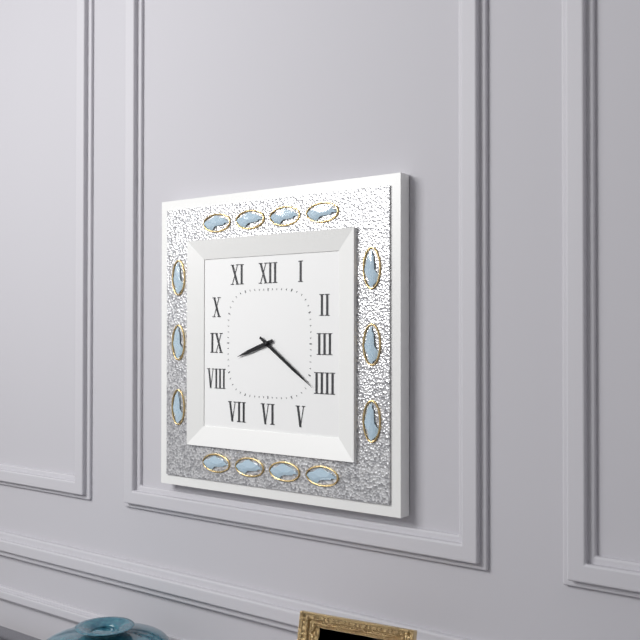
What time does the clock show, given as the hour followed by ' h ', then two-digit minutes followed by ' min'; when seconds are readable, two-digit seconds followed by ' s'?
8 h 21 min
